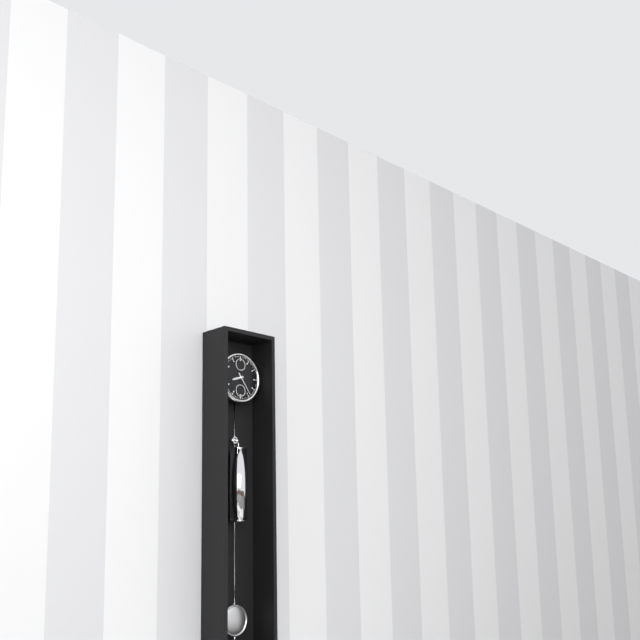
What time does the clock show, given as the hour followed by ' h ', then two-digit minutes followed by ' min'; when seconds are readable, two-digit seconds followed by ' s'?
8 h 24 min
